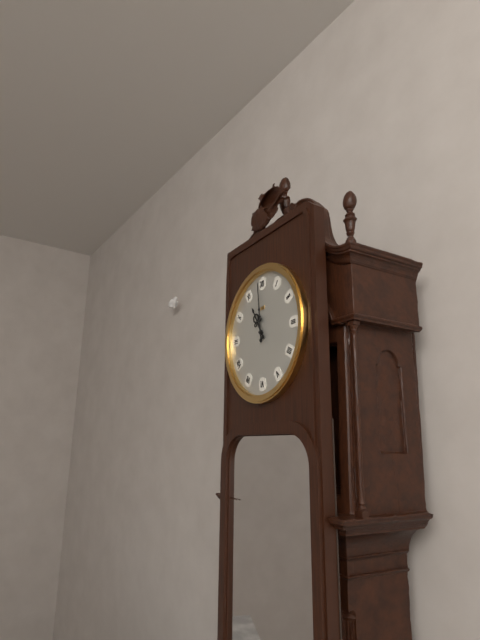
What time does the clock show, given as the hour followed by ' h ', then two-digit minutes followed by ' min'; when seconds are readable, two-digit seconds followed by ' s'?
10 h 59 min
